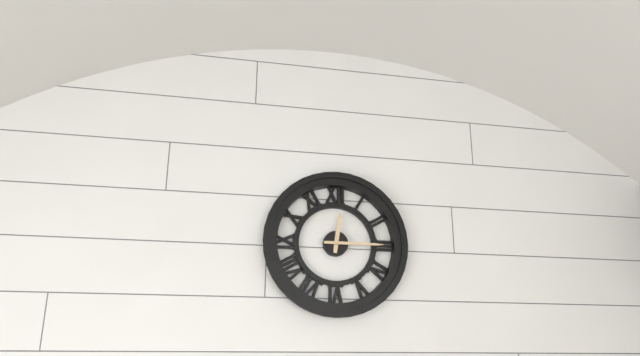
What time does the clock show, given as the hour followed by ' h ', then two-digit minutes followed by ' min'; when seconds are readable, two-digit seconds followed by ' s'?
12 h 15 min
